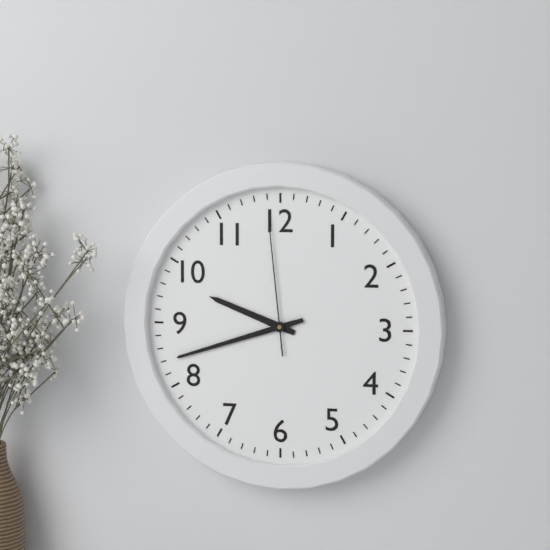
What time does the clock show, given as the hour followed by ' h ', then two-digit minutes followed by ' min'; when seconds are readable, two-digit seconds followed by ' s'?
9 h 42 min 59 s
